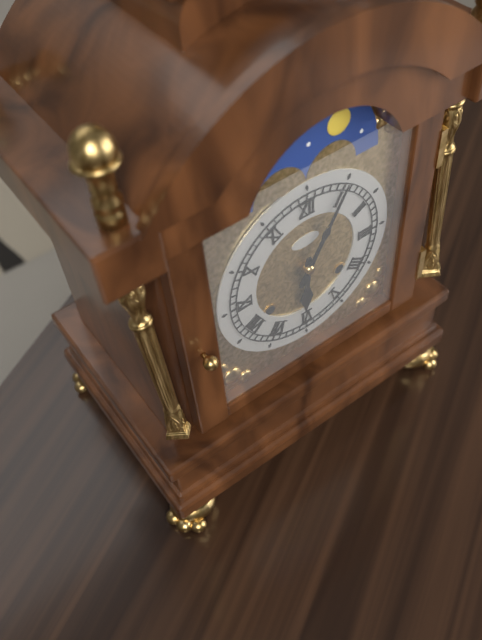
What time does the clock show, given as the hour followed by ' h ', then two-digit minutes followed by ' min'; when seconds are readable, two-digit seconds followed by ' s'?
6 h 05 min
